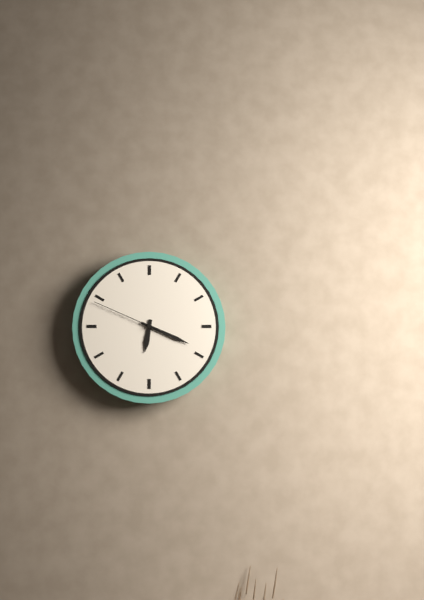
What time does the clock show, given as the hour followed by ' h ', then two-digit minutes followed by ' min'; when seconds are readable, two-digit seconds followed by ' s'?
6 h 19 min 49 s
